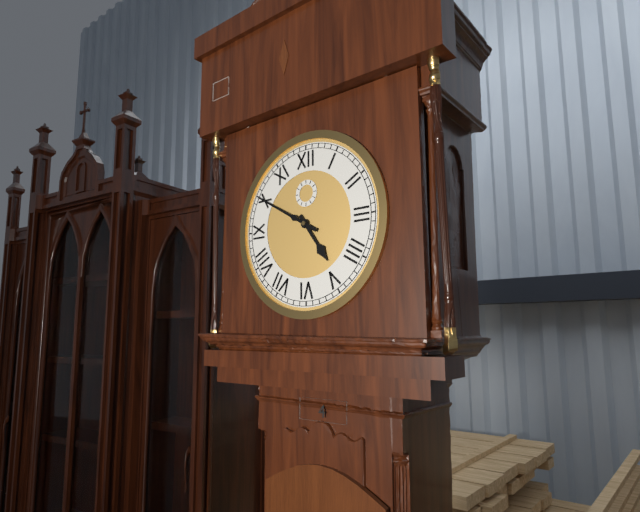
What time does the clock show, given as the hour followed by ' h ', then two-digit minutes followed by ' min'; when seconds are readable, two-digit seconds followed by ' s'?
4 h 50 min
